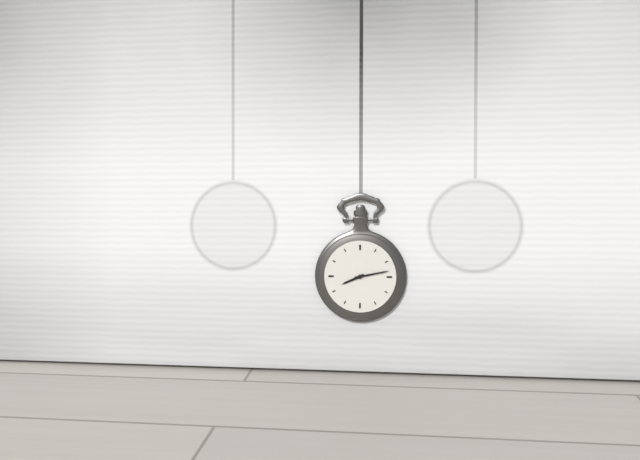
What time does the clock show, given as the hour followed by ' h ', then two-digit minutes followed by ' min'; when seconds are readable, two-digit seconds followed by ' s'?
8 h 13 min
